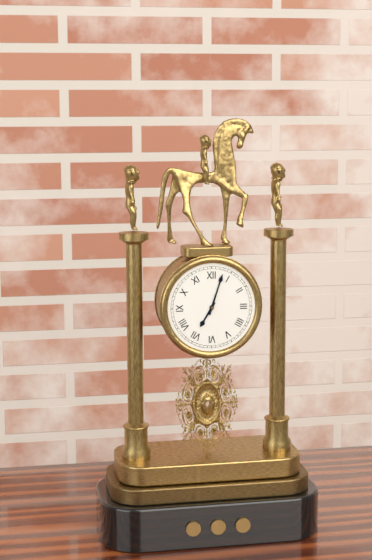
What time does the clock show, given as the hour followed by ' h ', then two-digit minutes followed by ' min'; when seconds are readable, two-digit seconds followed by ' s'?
7 h 03 min
